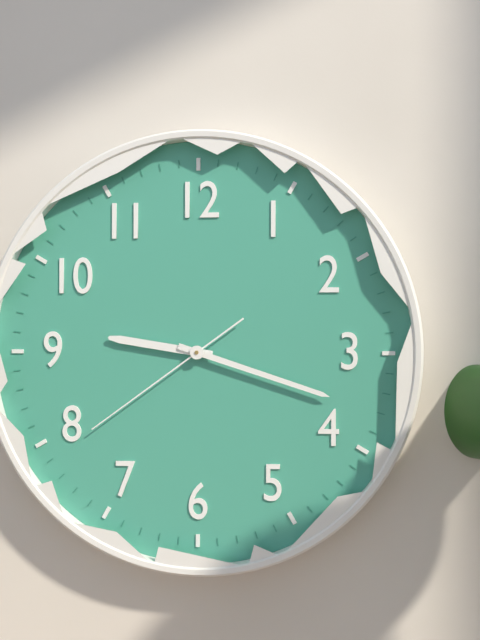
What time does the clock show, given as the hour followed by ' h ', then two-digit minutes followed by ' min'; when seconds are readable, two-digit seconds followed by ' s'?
9 h 18 min 39 s
